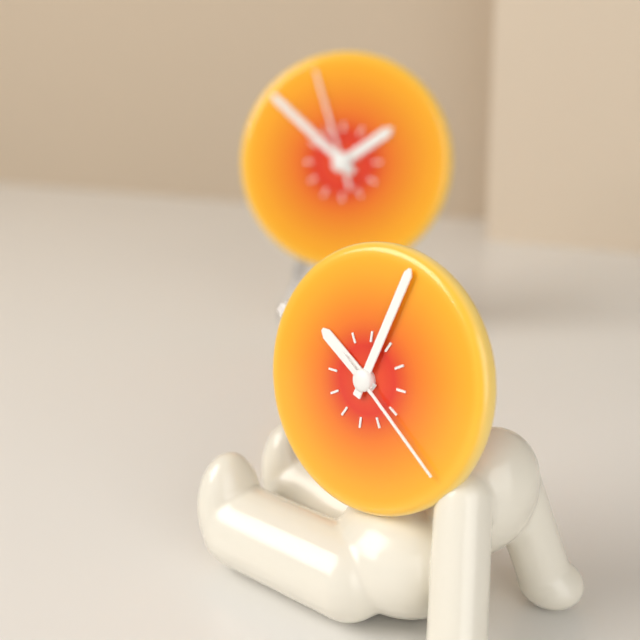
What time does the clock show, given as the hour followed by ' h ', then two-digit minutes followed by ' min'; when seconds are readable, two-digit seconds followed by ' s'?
10 h 03 min 21 s
